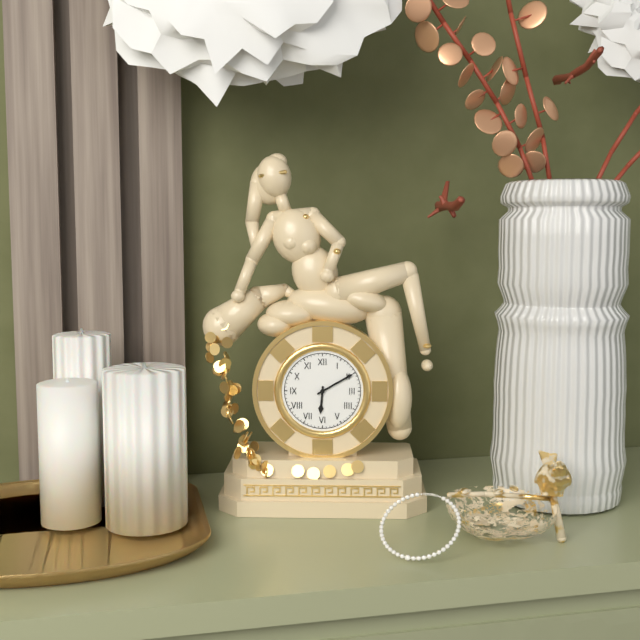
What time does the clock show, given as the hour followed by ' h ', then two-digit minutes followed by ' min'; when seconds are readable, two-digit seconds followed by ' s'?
6 h 10 min
